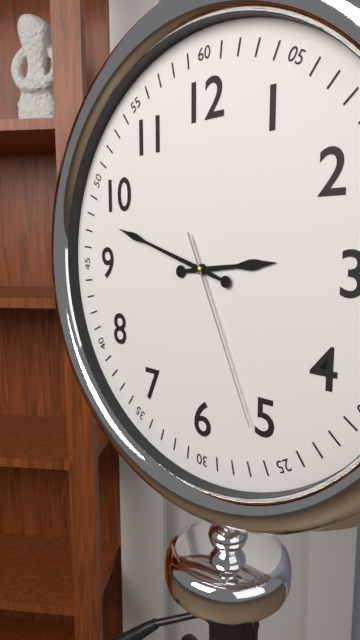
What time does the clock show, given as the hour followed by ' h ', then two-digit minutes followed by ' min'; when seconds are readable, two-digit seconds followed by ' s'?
2 h 48 min 26 s
